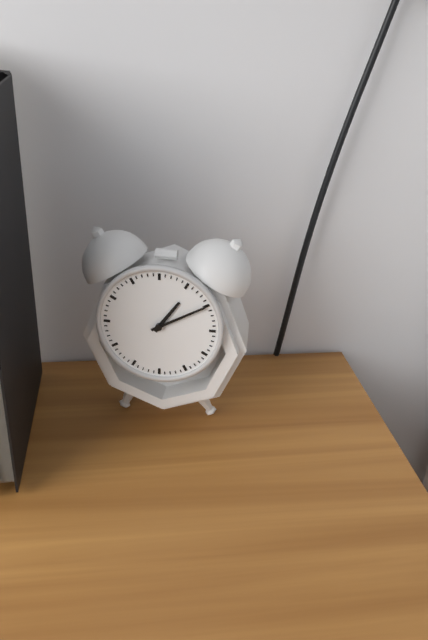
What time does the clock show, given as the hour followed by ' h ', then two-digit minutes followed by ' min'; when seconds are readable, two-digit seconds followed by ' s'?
1 h 10 min
